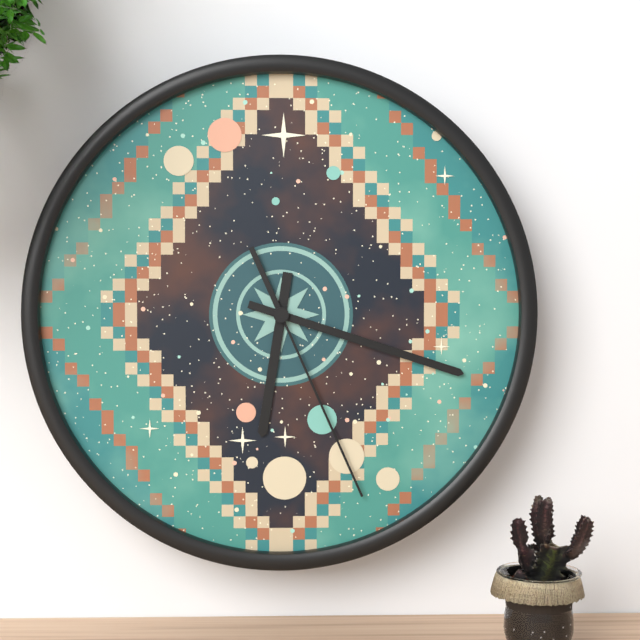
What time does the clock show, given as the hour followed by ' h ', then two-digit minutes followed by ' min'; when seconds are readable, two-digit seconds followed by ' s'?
6 h 18 min 26 s
